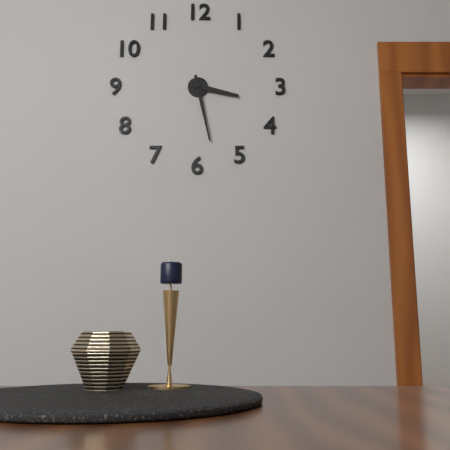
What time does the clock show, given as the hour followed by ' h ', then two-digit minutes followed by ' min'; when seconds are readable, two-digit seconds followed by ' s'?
3 h 28 min
